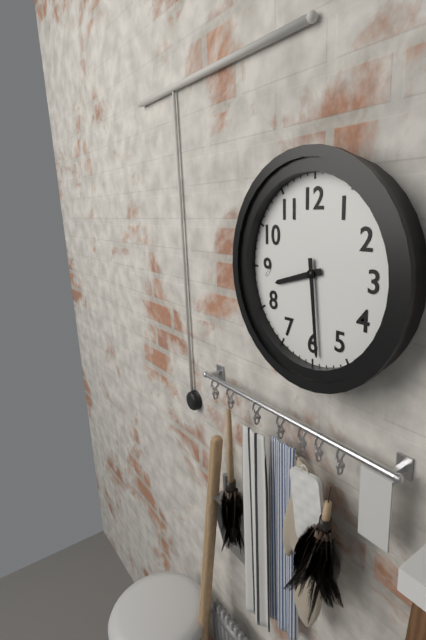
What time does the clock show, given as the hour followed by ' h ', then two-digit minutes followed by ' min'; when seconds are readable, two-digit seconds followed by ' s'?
8 h 29 min
